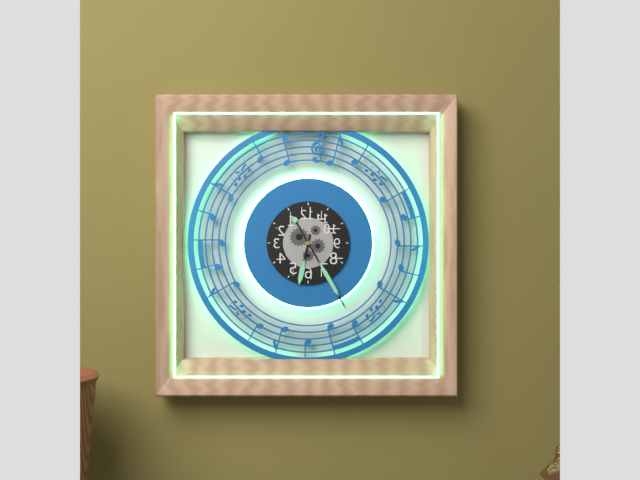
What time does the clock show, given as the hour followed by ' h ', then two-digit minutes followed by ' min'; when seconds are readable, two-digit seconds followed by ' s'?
6 h 25 min
